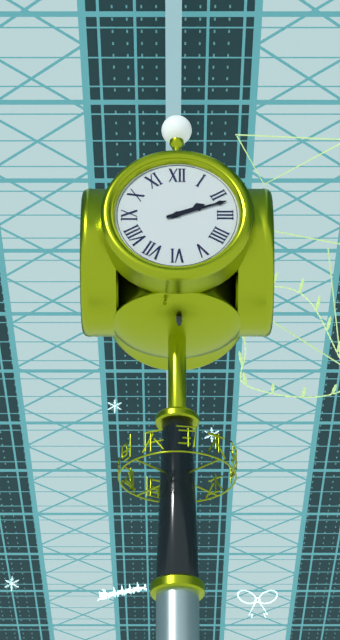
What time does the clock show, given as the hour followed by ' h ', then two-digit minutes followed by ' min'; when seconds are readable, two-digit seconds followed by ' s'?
2 h 12 min
